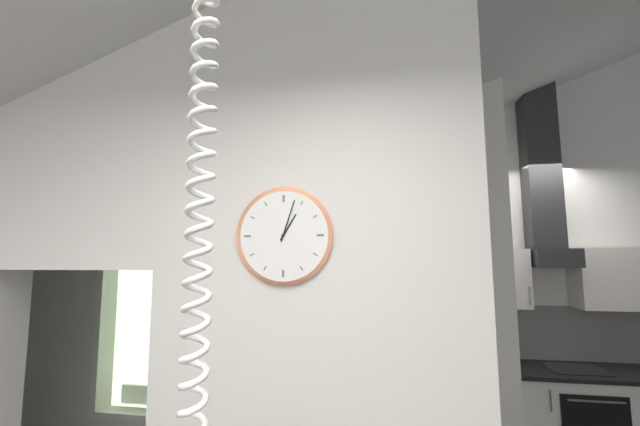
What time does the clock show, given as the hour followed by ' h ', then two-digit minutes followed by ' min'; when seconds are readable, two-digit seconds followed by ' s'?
1 h 03 min
